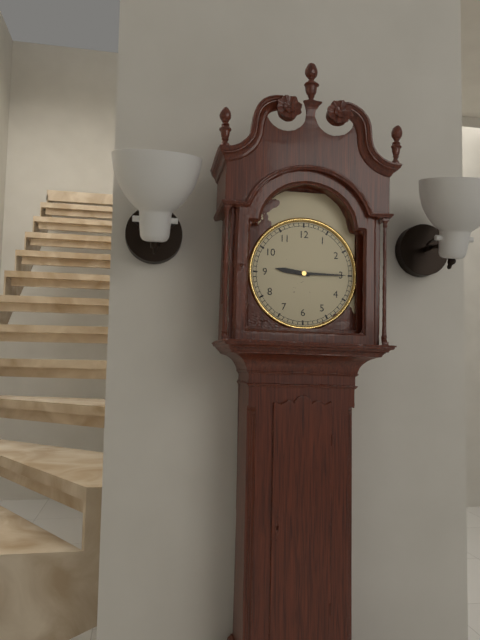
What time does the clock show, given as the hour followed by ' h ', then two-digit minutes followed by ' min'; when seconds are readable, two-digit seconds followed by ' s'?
9 h 15 min
